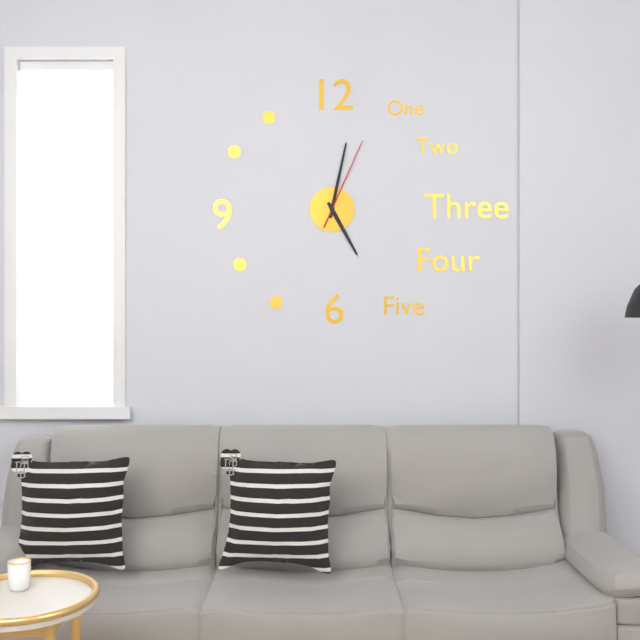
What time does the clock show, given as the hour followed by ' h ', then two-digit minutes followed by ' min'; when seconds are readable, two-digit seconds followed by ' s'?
5 h 02 min 04 s
